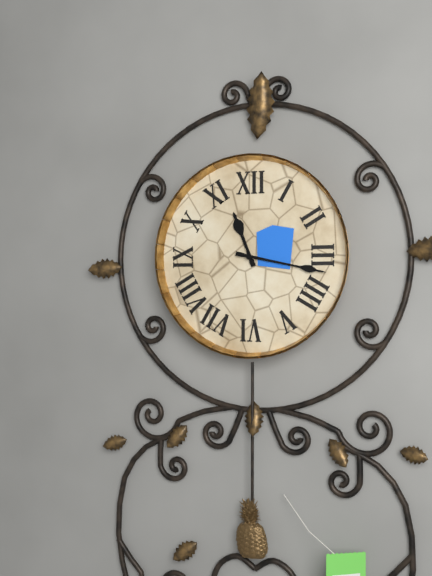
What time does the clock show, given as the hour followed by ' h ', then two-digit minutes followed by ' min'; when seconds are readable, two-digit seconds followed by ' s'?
11 h 17 min
